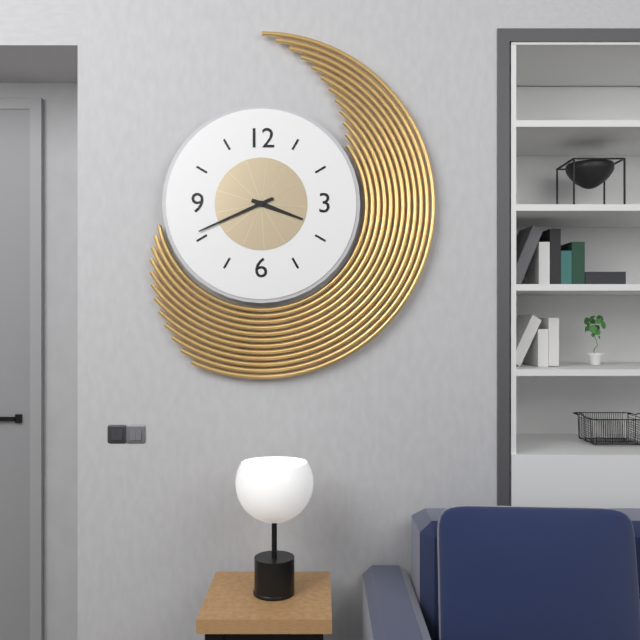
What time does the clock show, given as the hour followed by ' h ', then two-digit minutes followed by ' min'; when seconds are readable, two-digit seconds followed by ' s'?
3 h 41 min
